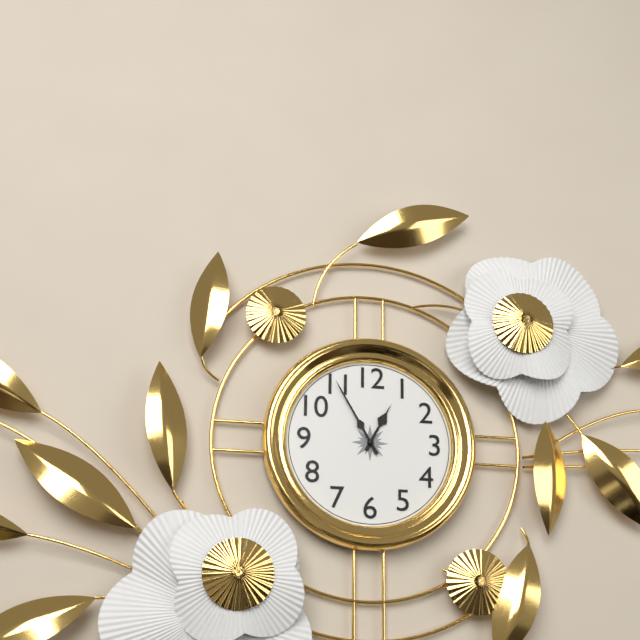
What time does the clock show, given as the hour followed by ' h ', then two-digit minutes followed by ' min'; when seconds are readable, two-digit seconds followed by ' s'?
12 h 55 min
